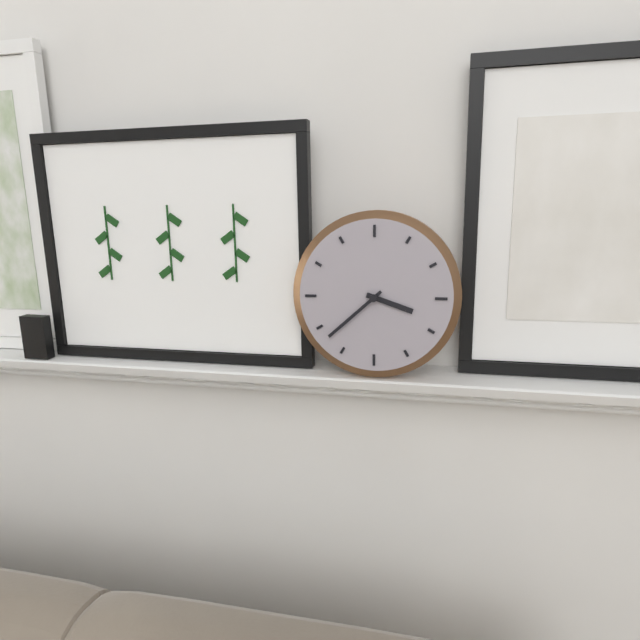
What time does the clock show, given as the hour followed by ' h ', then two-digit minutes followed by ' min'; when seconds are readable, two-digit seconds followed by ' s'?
3 h 38 min
